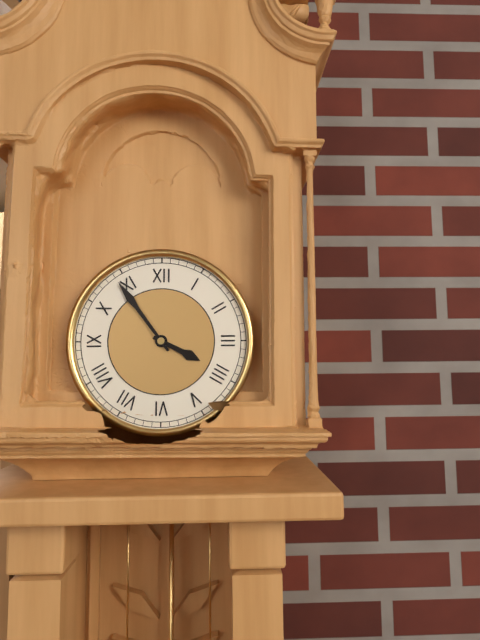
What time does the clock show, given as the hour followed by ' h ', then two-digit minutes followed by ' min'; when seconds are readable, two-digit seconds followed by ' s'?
3 h 54 min
